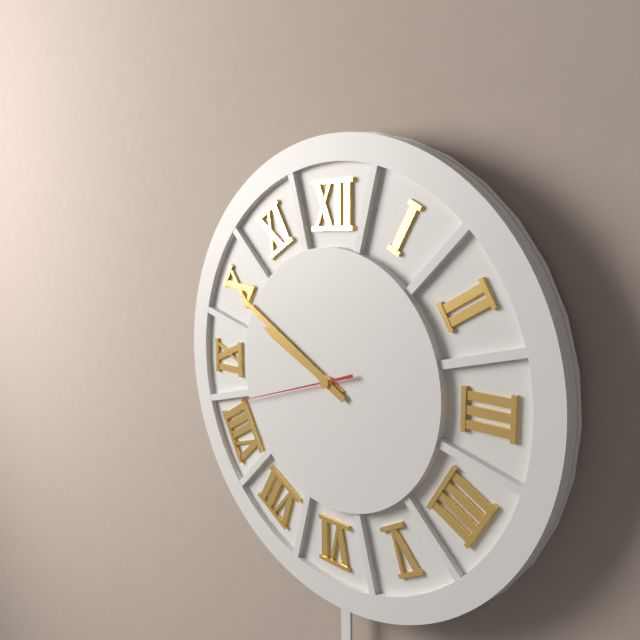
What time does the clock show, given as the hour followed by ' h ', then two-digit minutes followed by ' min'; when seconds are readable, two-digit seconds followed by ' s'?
9 h 50 min 42 s
